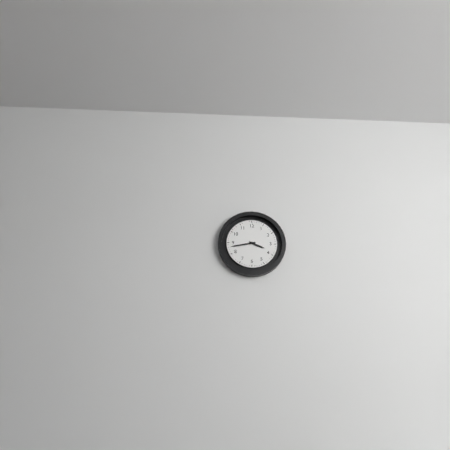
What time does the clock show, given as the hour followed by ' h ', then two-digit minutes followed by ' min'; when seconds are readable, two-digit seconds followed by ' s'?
3 h 43 min
